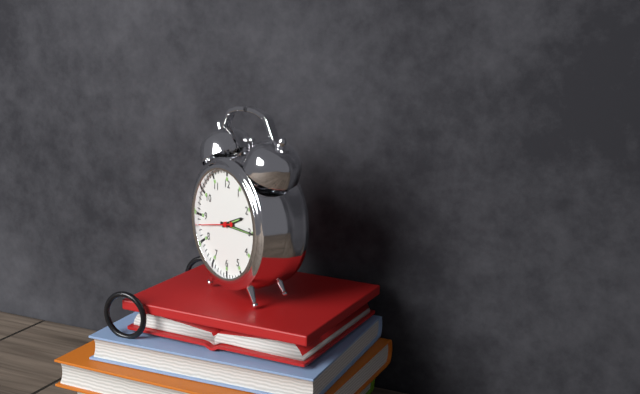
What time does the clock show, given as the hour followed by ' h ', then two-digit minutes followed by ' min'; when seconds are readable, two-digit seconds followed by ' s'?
2 h 15 min
